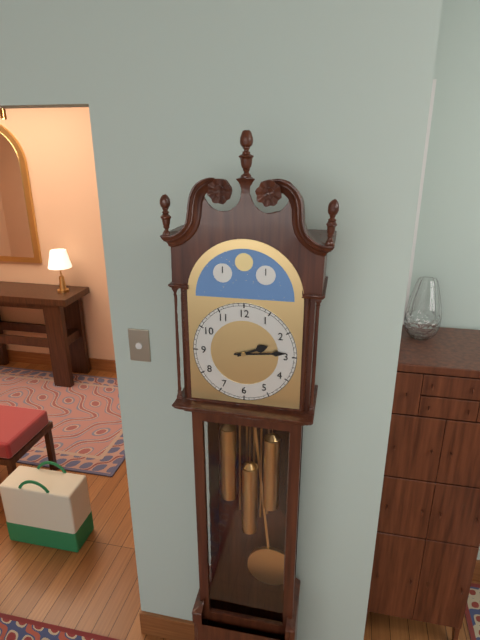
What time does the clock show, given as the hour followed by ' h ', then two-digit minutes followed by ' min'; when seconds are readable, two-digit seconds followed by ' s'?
2 h 14 min
